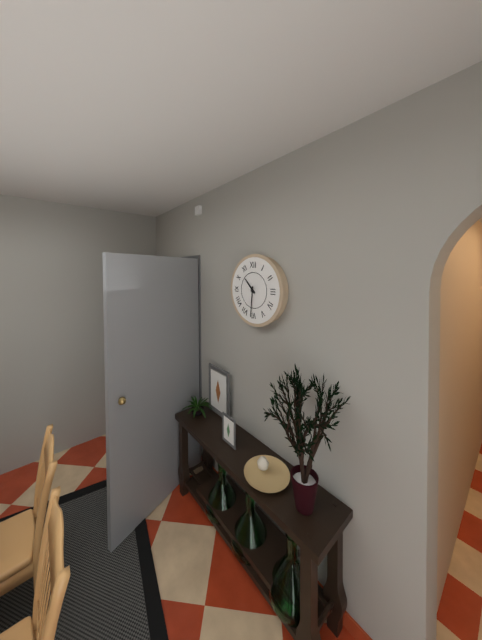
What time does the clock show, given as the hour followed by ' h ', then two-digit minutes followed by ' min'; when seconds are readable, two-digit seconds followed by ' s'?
10 h 31 min
